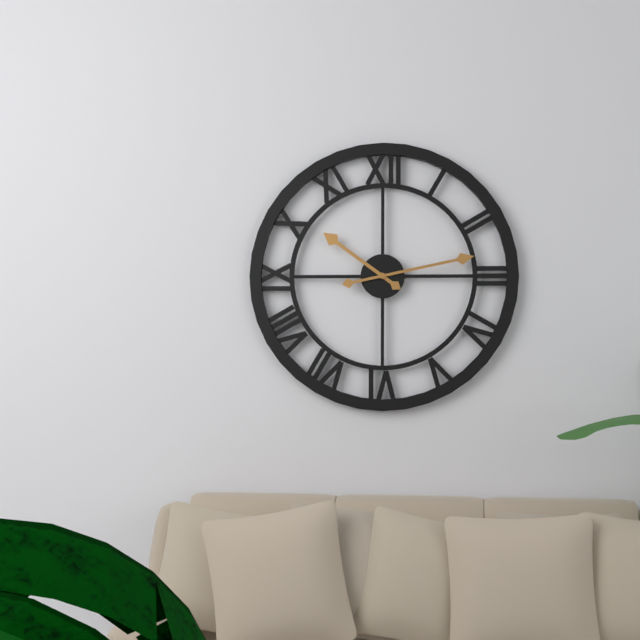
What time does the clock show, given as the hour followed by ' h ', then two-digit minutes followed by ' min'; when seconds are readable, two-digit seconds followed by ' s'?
10 h 13 min
